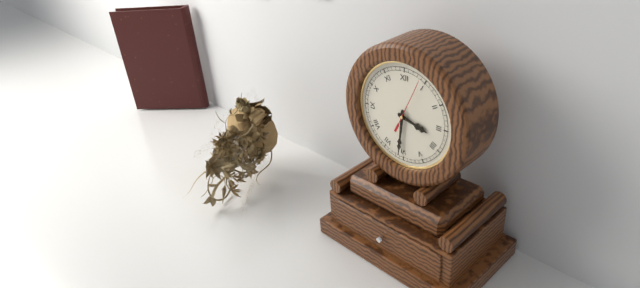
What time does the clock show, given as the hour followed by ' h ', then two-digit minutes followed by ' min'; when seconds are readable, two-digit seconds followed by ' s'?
3 h 31 min 04 s
